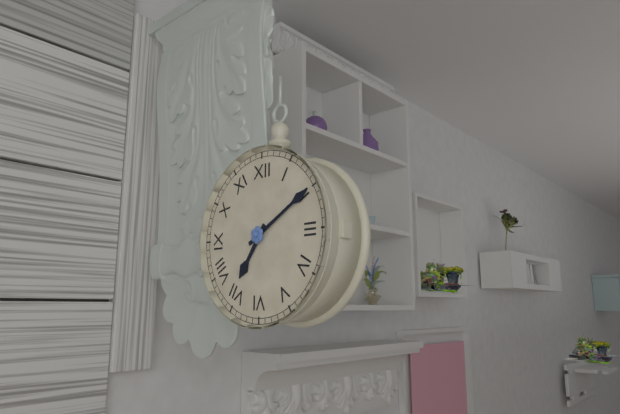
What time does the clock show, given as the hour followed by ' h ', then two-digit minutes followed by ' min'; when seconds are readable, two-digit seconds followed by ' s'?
7 h 10 min
